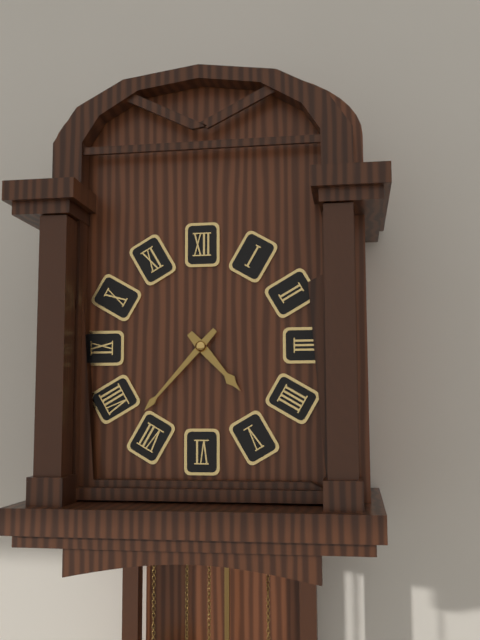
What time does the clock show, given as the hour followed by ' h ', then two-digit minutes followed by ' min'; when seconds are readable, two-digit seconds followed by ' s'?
4 h 37 min
